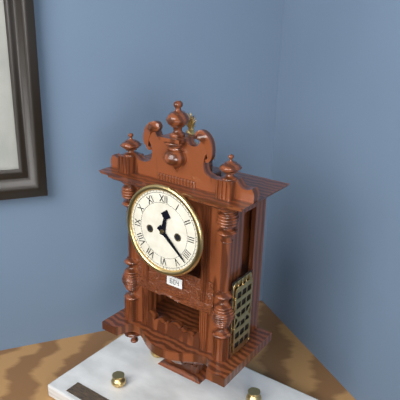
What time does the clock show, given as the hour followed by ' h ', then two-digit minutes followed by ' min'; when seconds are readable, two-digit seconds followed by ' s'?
12 h 22 min
